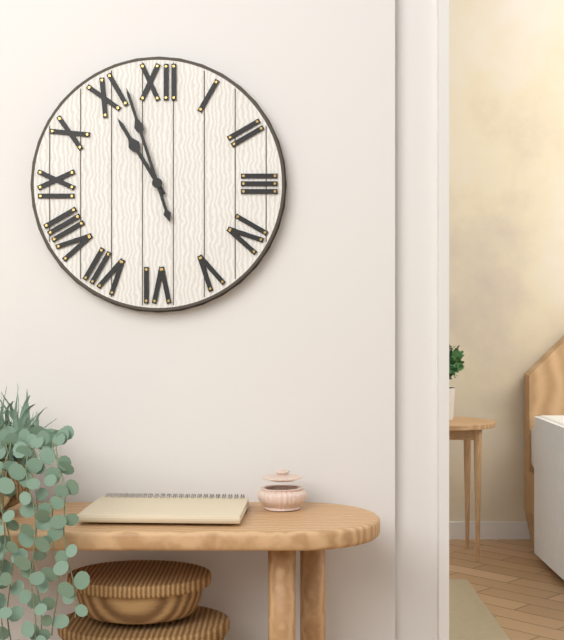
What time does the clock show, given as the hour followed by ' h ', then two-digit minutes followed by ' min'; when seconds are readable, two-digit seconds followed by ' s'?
10 h 57 min
